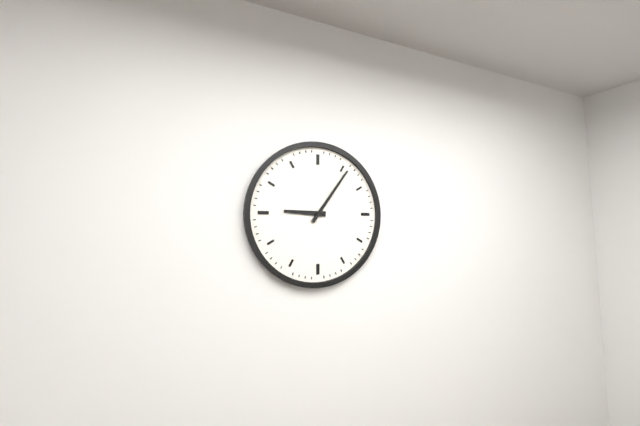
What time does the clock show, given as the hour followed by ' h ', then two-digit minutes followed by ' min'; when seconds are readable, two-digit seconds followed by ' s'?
9 h 06 min
